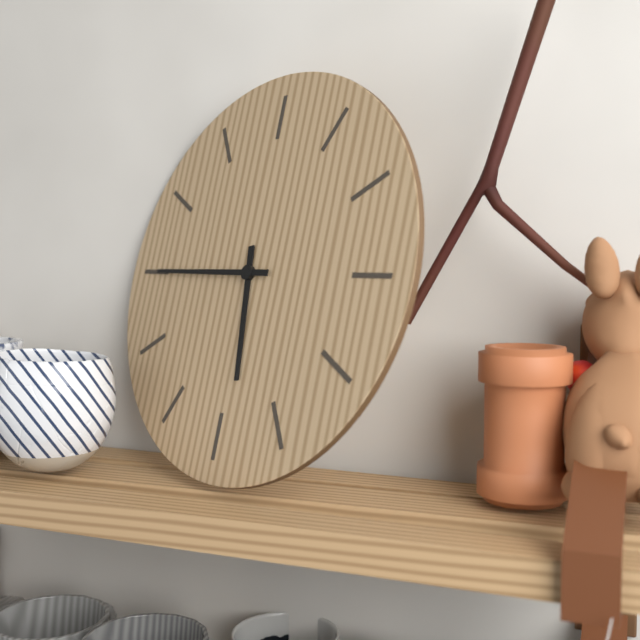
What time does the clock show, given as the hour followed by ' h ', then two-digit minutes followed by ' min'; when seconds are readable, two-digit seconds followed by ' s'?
5 h 45 min
